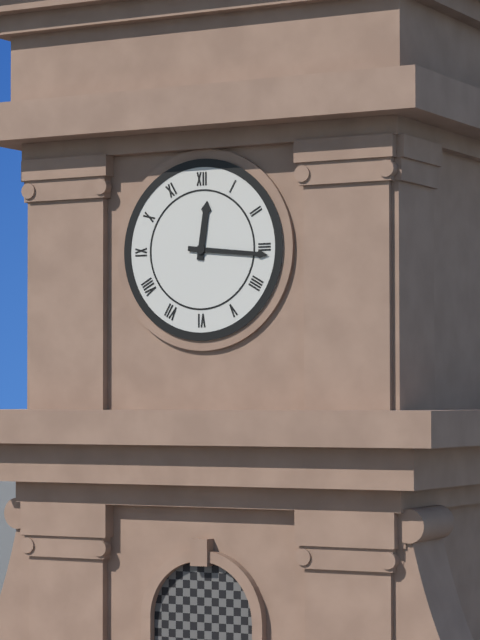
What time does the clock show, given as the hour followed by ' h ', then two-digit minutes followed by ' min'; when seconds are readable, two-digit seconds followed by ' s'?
12 h 16 min
